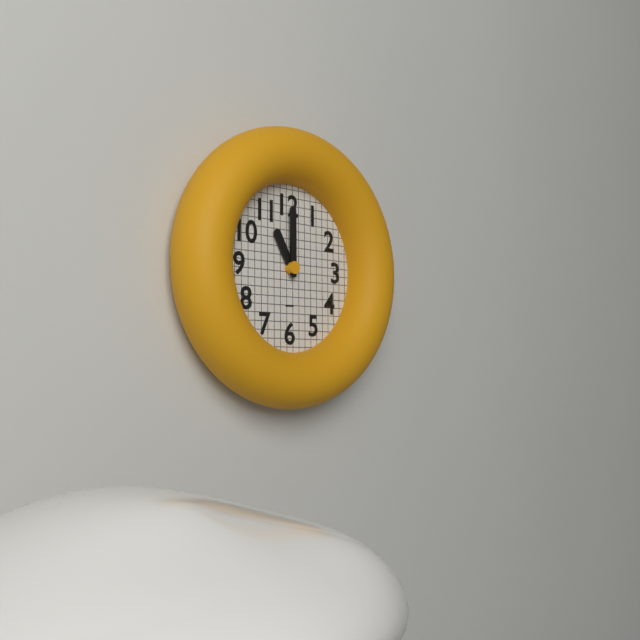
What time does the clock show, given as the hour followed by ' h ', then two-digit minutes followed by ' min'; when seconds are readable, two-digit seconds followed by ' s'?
11 h 00 min
